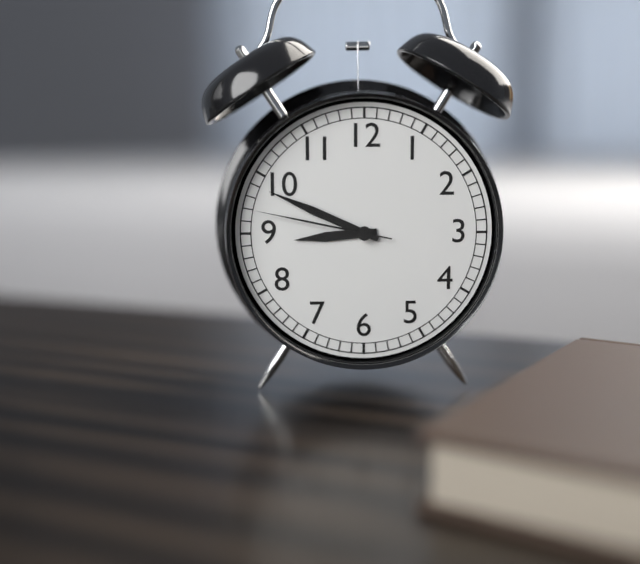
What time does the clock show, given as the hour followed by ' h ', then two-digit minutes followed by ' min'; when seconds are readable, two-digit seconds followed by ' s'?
8 h 49 min 47 s
